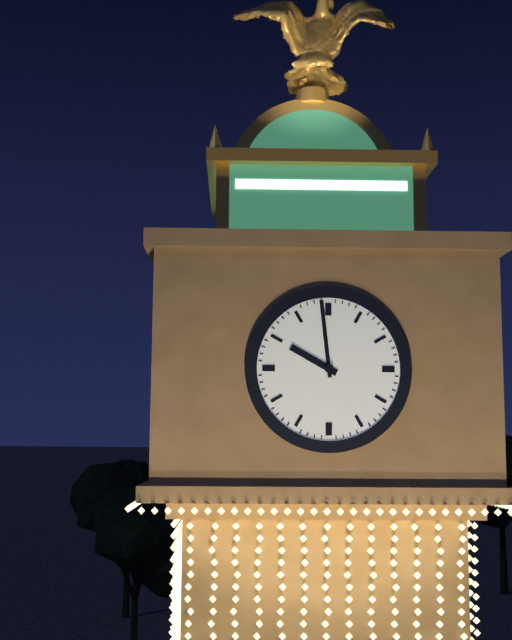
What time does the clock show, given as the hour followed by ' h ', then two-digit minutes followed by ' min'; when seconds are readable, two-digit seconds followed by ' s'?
9 h 59 min
